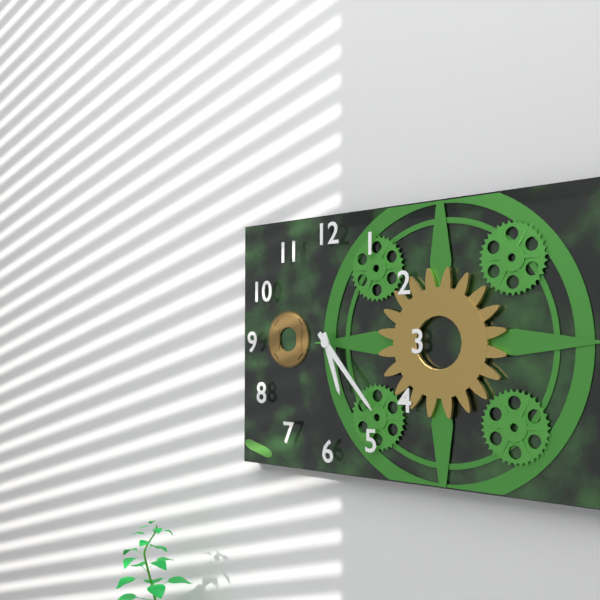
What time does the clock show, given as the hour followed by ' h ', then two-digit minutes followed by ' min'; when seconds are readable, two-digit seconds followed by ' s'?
5 h 23 min
